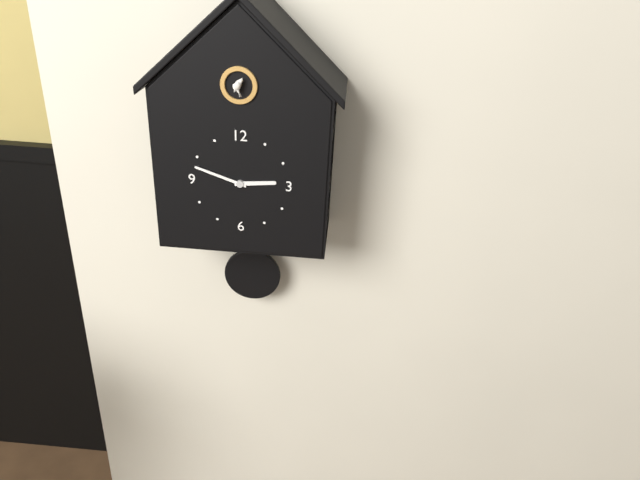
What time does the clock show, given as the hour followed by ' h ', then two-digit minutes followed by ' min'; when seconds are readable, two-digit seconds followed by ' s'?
2 h 48 min
